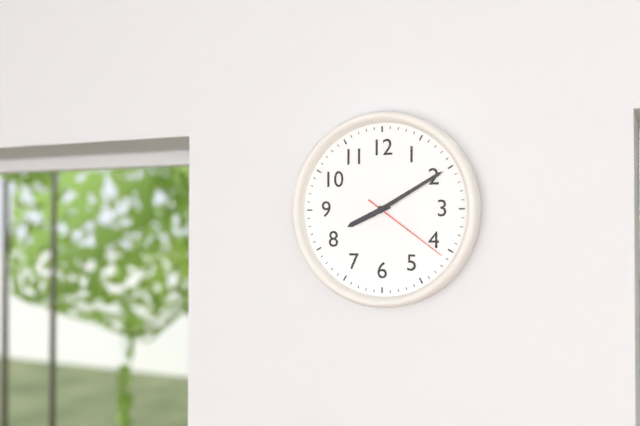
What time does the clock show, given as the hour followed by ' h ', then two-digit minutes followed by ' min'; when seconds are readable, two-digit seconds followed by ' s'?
8 h 10 min 21 s
